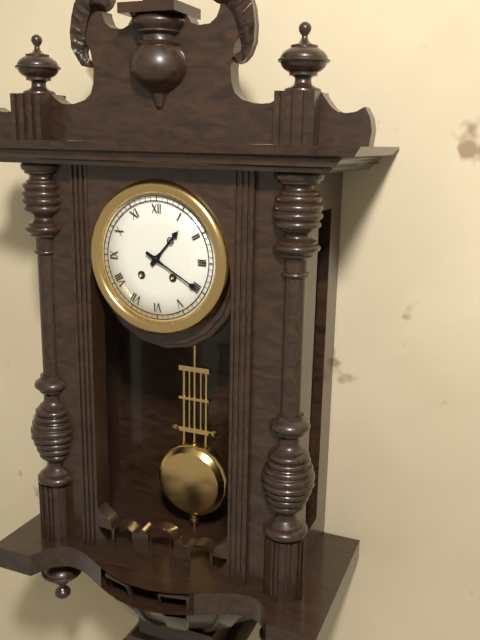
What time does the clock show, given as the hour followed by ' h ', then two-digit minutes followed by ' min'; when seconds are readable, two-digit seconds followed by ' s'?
1 h 20 min
